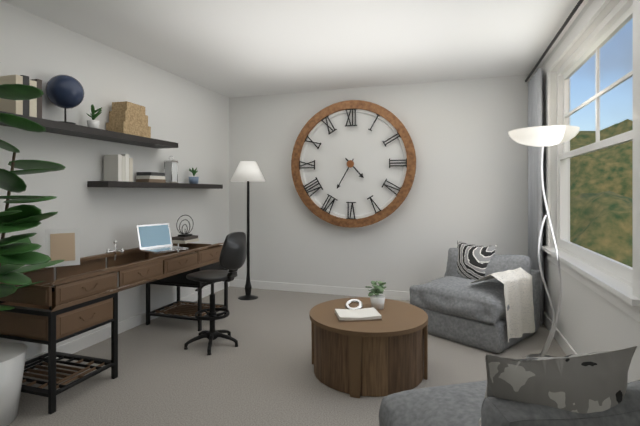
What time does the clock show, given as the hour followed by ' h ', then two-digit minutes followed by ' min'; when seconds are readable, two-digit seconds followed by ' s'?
4 h 35 min
